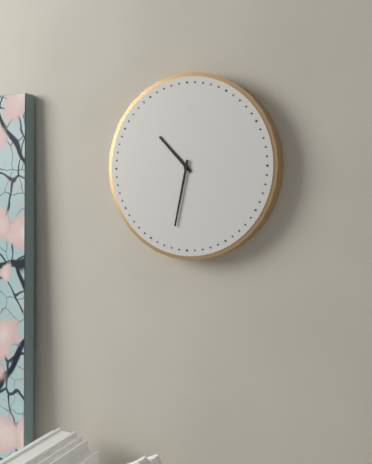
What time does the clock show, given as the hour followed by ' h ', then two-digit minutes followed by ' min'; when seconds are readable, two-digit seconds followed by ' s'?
10 h 32 min
